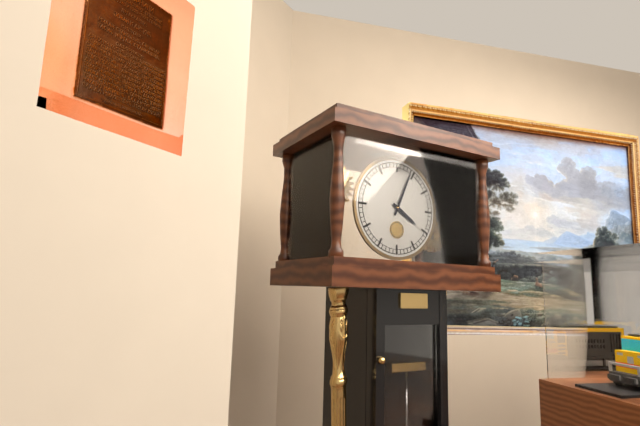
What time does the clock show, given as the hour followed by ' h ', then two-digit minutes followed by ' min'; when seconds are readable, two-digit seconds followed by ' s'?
4 h 04 min
